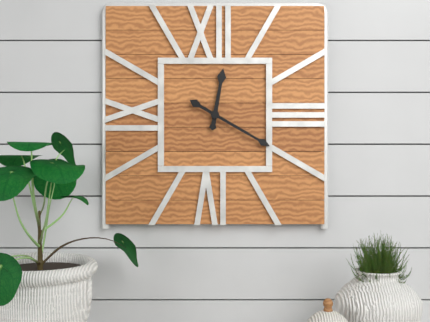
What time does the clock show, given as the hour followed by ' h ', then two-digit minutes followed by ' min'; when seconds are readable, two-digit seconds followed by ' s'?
12 h 20 min
